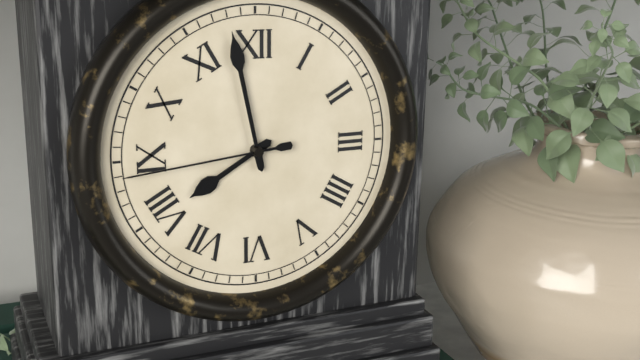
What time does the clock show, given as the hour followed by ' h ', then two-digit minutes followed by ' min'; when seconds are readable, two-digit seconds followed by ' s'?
7 h 58 min 44 s
